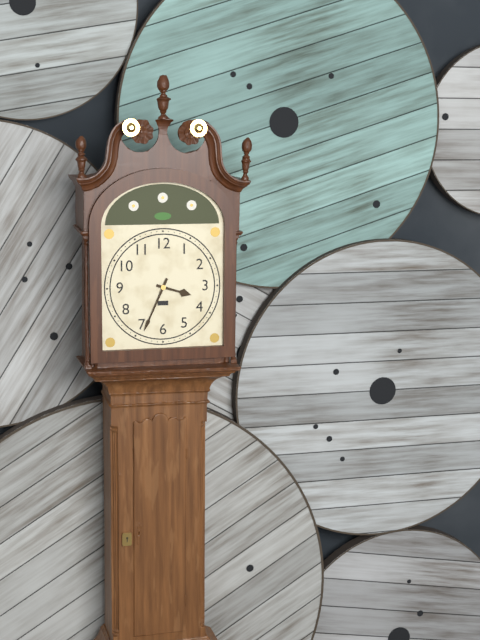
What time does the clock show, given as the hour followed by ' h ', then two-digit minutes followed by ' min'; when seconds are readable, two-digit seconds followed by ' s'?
3 h 34 min
